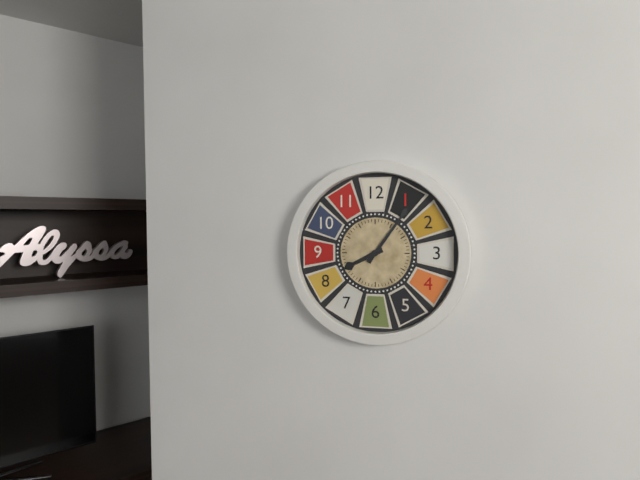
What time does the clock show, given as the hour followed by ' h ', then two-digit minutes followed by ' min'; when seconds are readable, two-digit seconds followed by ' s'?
8 h 06 min
